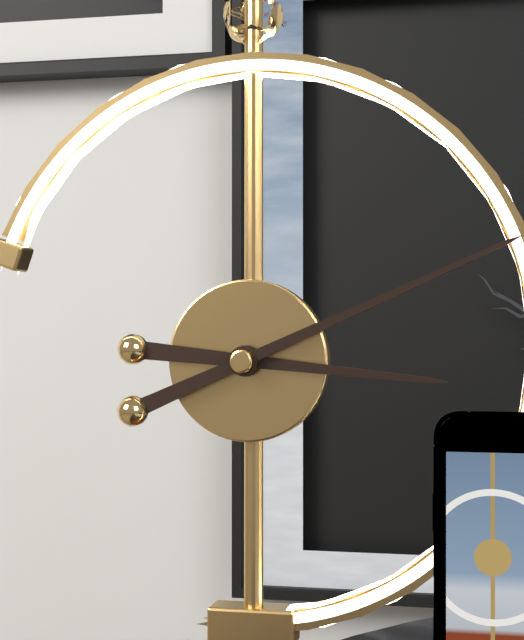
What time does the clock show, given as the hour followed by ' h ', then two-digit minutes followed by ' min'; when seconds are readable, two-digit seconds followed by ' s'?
3 h 11 min
